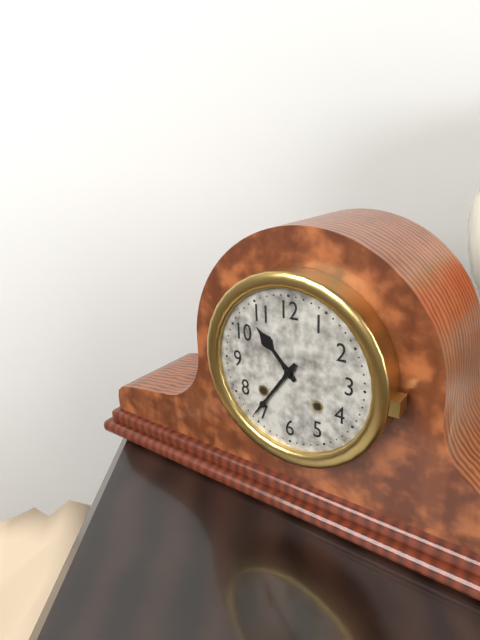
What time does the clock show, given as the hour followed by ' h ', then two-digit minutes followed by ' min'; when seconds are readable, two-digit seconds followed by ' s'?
10 h 36 min
